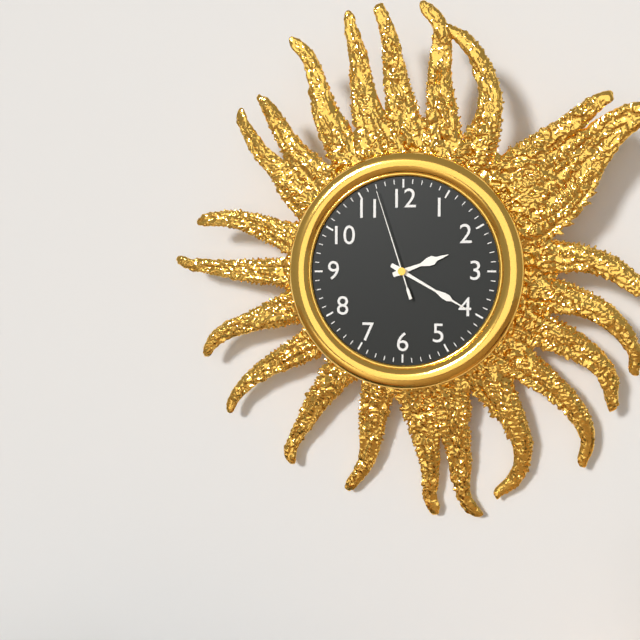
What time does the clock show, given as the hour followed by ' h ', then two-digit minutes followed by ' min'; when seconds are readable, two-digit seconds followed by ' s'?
2 h 20 min 57 s
